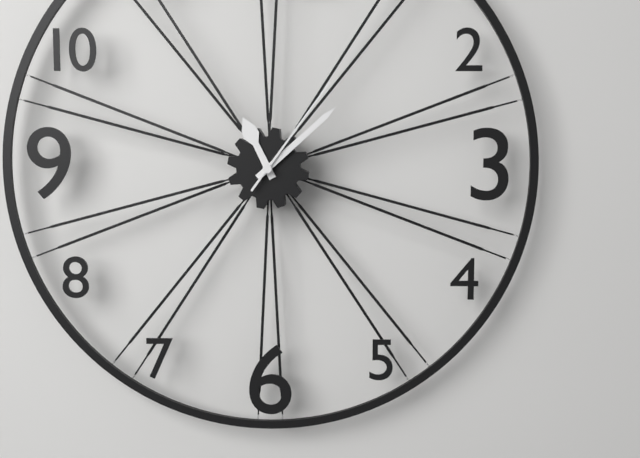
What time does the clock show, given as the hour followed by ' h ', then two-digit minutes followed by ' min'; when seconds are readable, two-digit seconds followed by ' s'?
11 h 08 min 06 s
